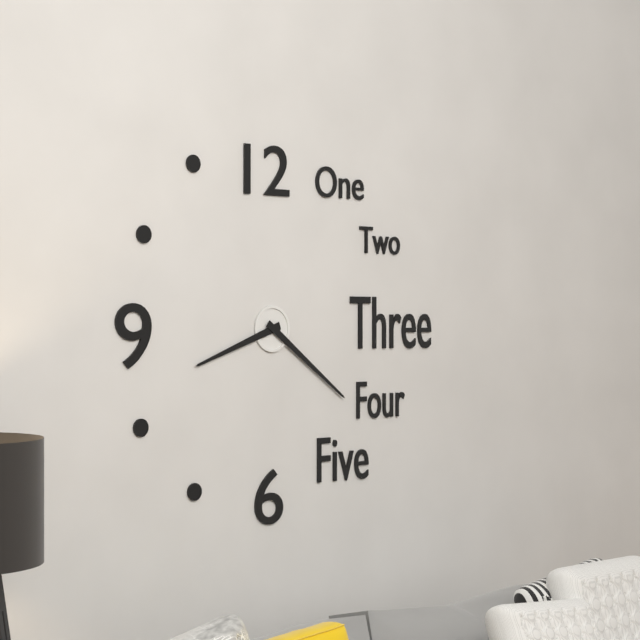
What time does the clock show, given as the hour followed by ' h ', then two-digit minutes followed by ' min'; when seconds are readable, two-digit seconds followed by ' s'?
8 h 21 min
